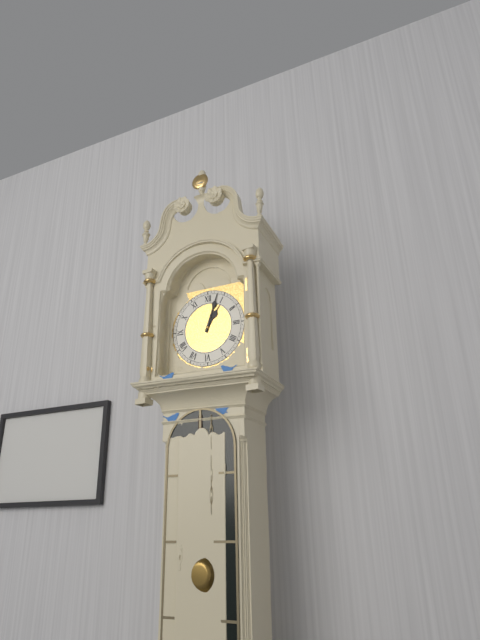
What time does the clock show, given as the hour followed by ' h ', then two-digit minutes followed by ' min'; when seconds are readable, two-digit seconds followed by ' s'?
1 h 03 min
